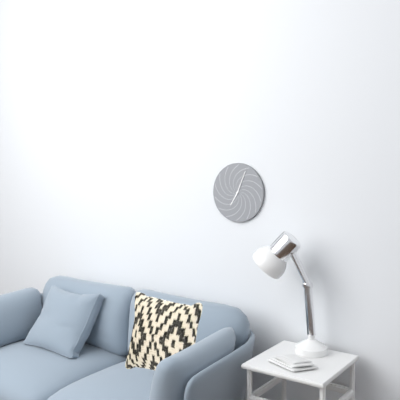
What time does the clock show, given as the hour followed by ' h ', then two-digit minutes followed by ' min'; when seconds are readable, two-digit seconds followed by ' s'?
7 h 04 min
